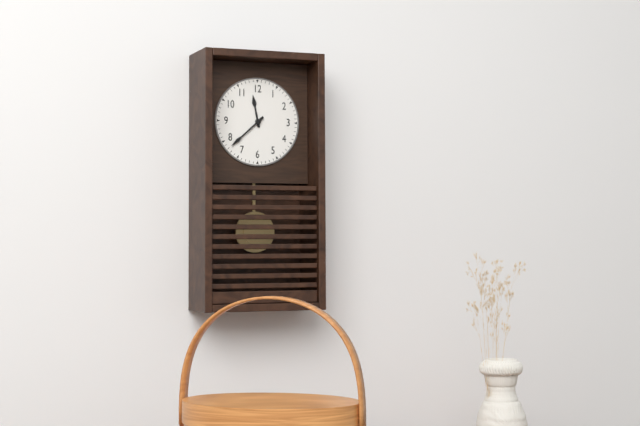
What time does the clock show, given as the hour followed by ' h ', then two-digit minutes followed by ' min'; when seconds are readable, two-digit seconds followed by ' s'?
11 h 38 min
